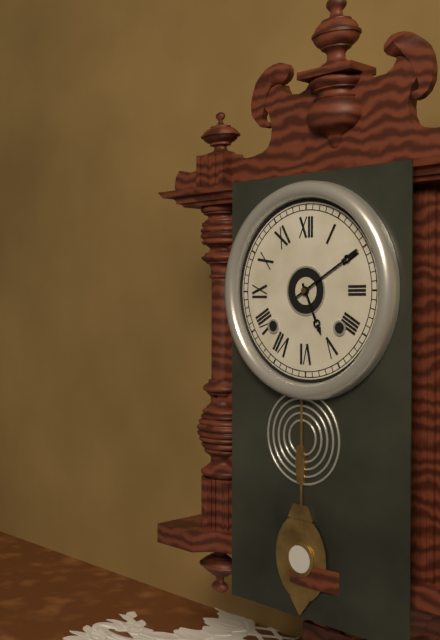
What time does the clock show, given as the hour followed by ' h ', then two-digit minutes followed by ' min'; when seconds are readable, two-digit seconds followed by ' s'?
5 h 10 min
